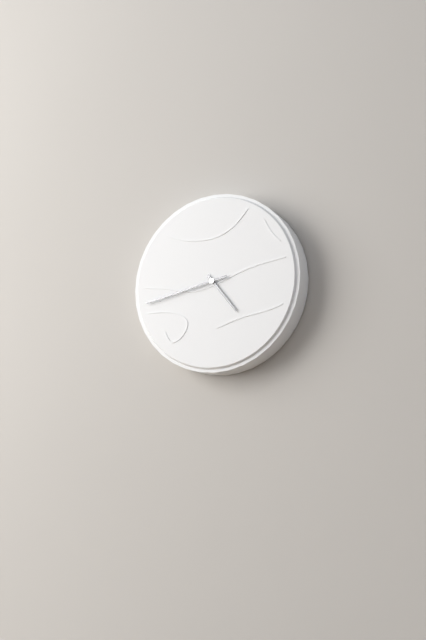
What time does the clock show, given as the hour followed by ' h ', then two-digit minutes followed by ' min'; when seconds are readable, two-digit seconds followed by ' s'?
4 h 43 min
